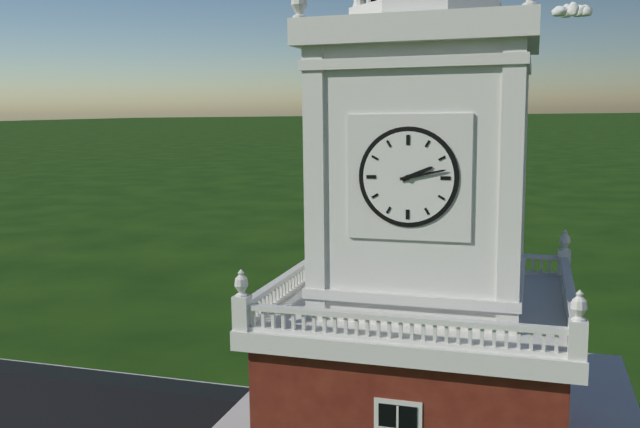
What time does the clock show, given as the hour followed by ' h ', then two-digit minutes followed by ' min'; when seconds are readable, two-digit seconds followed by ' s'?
2 h 13 min
